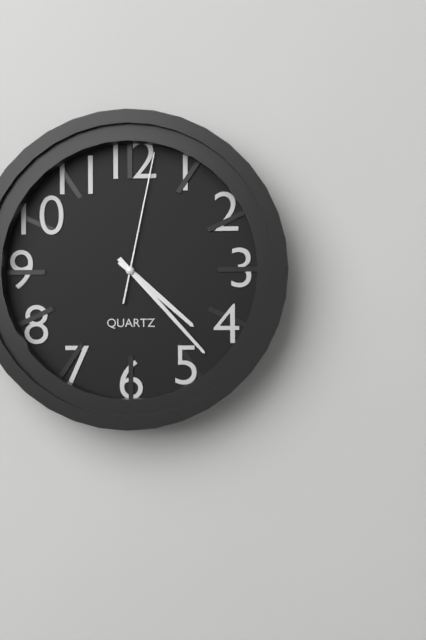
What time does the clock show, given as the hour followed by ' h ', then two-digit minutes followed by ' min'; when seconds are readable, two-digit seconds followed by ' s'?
4 h 23 min 02 s
